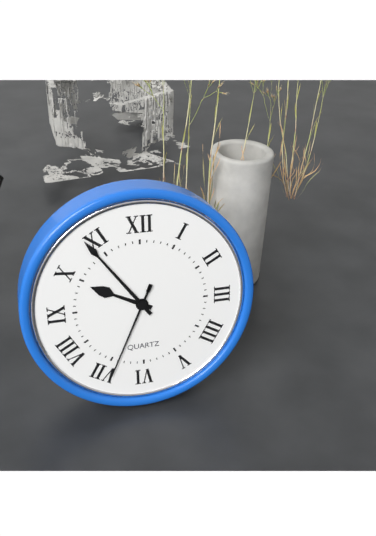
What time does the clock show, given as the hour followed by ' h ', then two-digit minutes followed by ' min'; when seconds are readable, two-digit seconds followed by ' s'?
9 h 54 min 34 s
